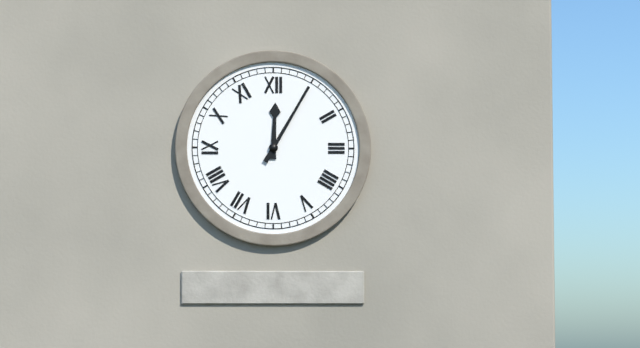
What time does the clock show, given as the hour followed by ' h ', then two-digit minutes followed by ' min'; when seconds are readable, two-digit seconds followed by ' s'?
12 h 05 min
